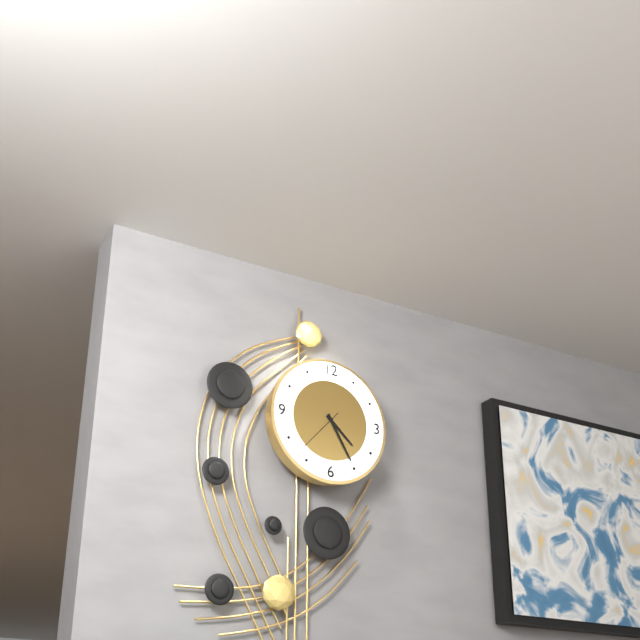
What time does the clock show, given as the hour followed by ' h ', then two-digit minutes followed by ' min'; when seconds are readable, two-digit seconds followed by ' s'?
4 h 25 min 37 s
